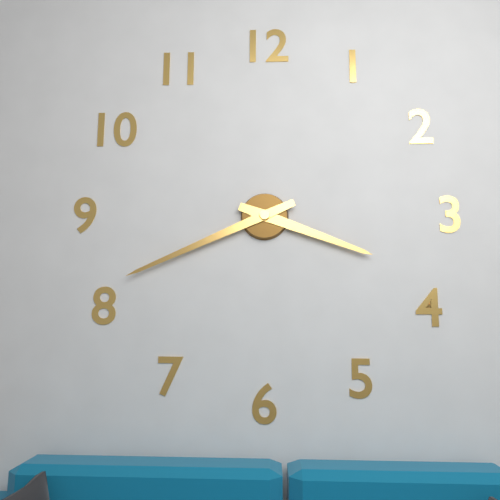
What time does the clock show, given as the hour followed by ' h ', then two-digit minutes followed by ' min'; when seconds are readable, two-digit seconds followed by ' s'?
3 h 41 min
